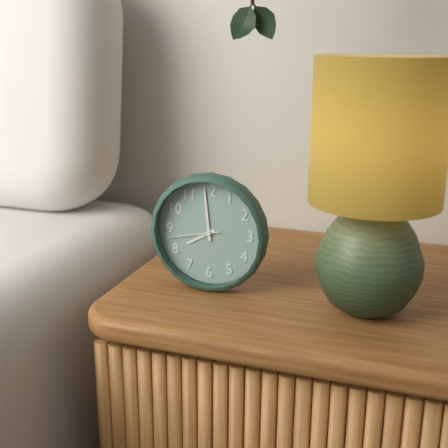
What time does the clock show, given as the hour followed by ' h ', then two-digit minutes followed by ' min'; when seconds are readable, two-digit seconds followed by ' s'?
7 h 59 min 43 s
